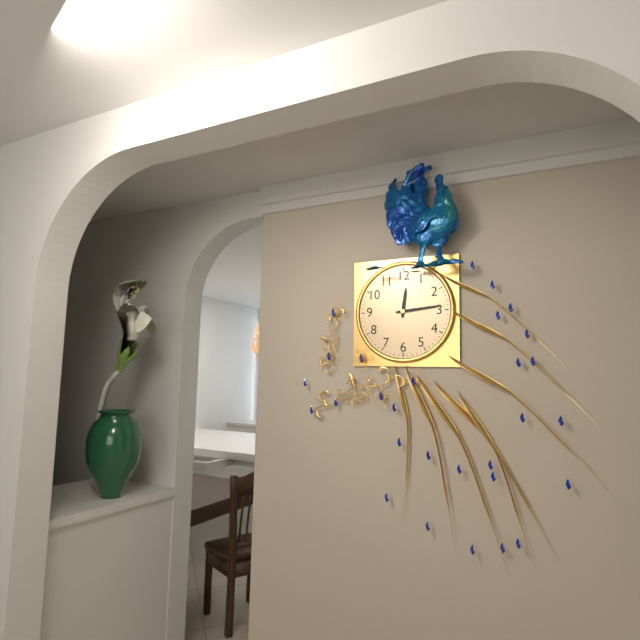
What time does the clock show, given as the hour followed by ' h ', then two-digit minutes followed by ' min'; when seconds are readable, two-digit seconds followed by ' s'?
12 h 14 min
